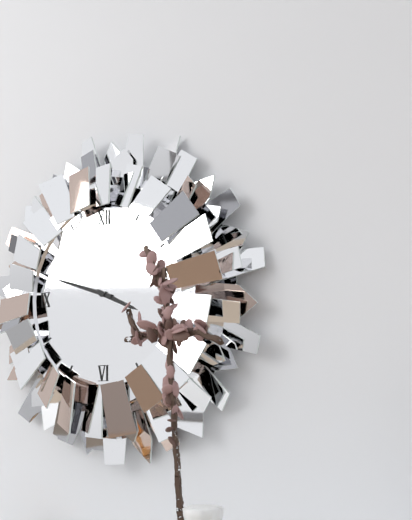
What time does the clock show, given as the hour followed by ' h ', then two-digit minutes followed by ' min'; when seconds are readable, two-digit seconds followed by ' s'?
3 h 48 min
